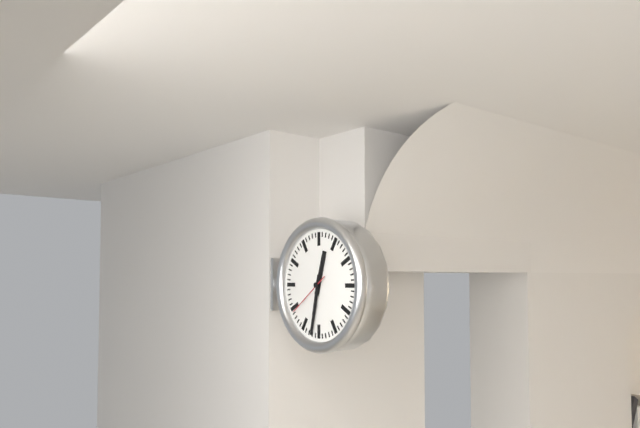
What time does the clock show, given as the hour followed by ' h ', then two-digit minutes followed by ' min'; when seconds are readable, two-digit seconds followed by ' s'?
12 h 32 min
